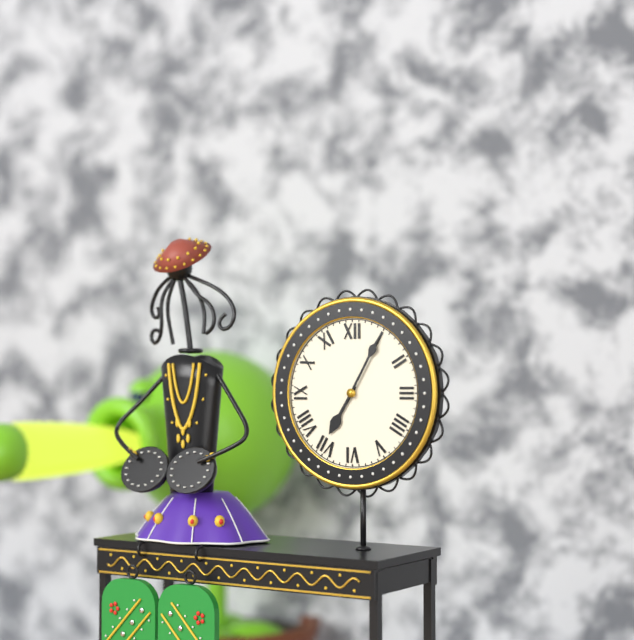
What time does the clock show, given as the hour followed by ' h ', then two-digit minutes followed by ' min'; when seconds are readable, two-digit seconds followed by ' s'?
7 h 05 min
